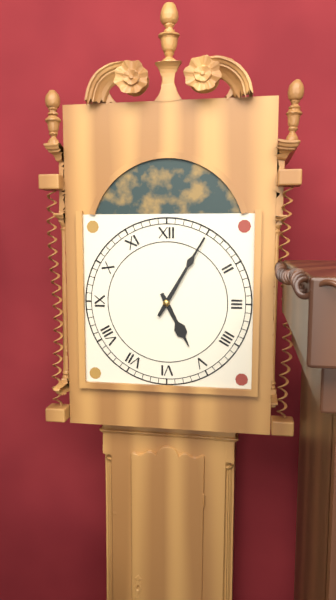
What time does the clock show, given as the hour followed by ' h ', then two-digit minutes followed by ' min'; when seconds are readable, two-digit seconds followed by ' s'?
5 h 05 min
